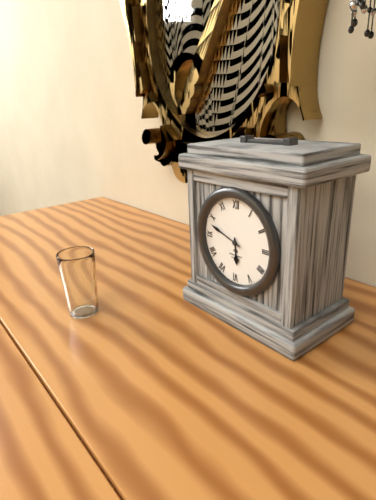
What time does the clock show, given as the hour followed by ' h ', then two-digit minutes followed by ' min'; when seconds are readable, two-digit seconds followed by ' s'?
5 h 48 min
